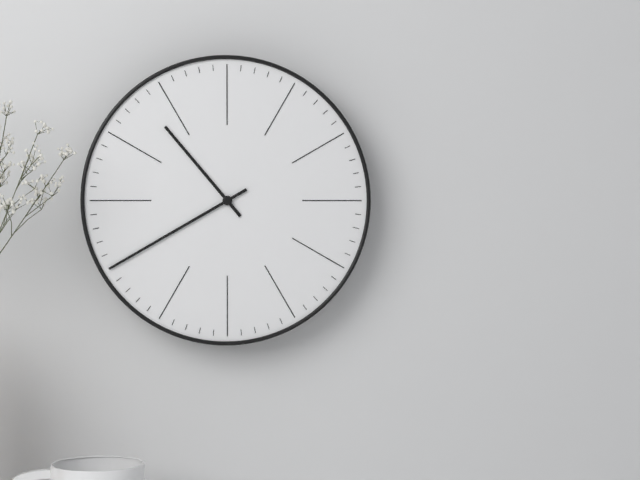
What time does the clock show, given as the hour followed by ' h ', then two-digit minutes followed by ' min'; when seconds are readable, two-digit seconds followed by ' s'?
10 h 40 min
